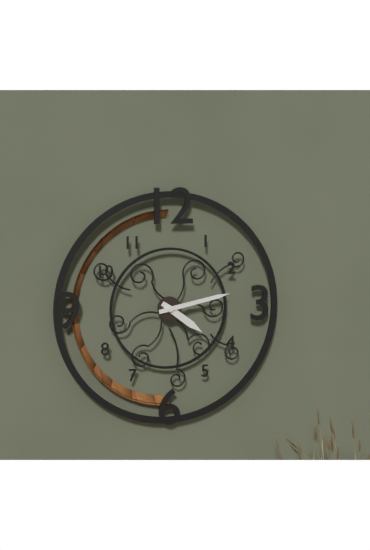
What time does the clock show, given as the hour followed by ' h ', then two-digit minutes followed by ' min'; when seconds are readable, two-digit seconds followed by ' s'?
4 h 13 min
